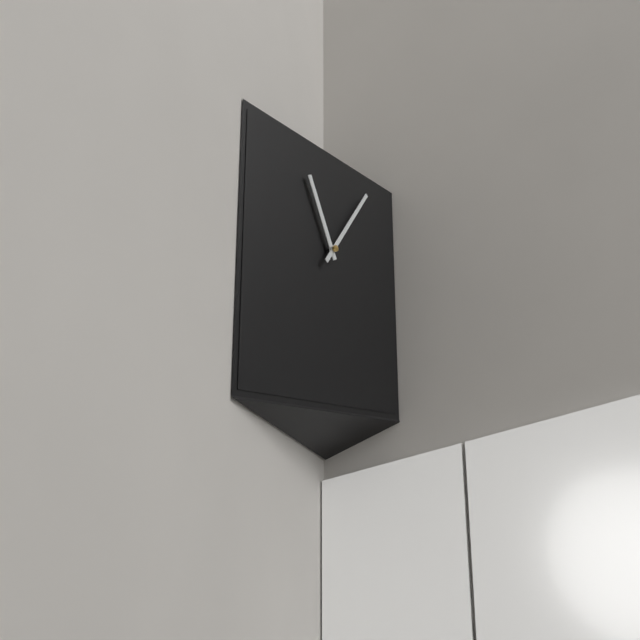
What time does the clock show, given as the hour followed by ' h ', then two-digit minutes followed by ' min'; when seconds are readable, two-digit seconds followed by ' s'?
11 h 06 min
